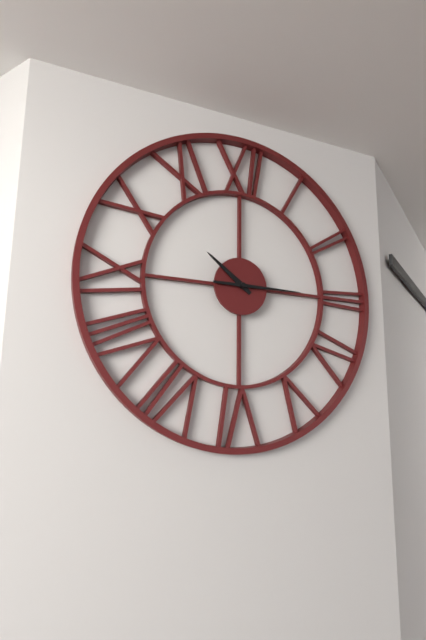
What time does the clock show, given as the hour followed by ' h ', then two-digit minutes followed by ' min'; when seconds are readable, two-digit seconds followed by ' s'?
10 h 15 min
